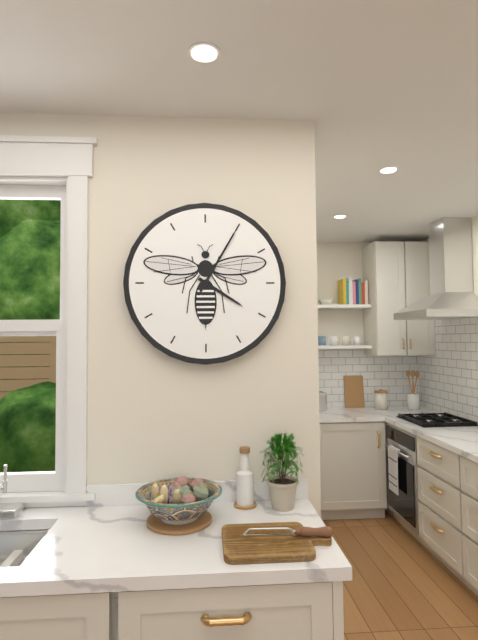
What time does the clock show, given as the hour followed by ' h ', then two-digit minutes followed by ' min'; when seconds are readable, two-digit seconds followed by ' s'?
4 h 05 min
